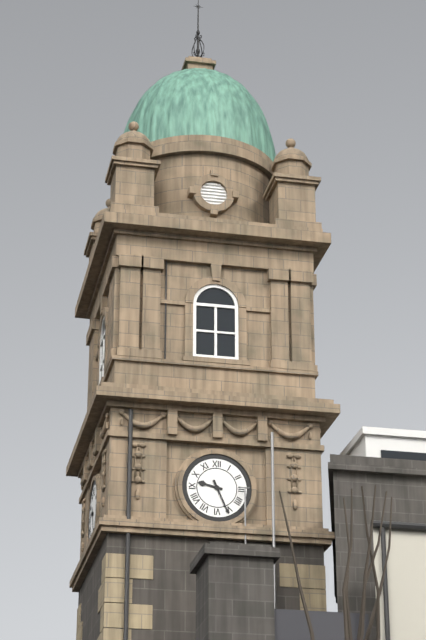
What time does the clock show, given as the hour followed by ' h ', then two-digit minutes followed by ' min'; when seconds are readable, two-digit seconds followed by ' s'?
9 h 26 min
